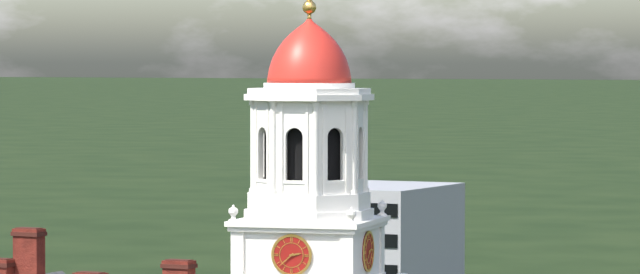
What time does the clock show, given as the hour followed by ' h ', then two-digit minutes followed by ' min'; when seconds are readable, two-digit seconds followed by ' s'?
2 h 38 min
